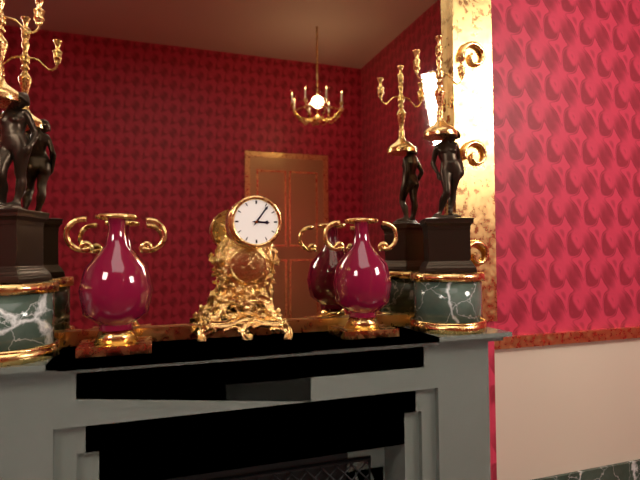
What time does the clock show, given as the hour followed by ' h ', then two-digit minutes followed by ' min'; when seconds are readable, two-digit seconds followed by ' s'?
3 h 06 min
